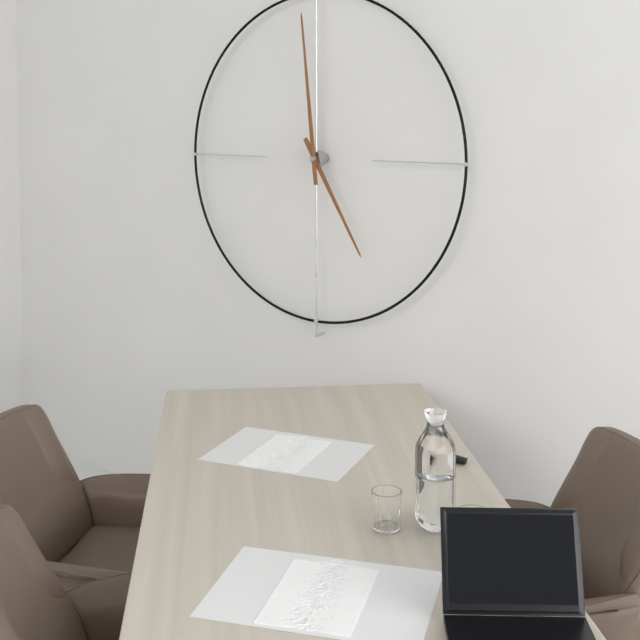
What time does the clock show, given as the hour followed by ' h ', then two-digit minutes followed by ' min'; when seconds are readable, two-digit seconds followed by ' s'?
4 h 59 min
